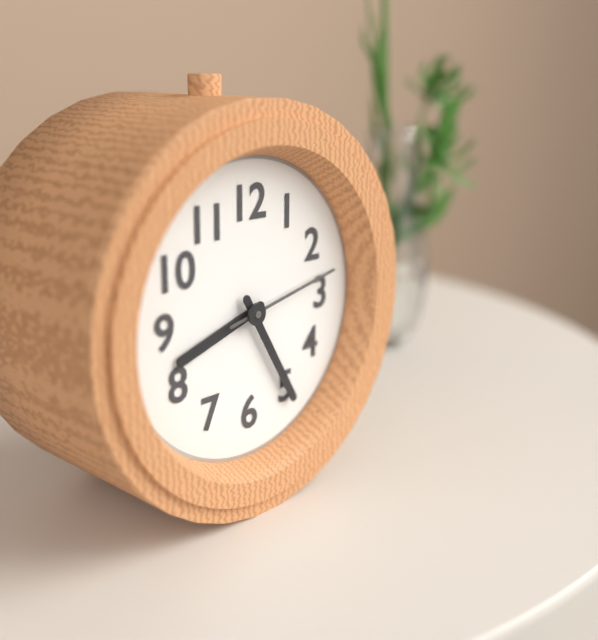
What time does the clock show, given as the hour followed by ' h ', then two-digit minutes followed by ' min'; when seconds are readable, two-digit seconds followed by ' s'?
8 h 25 min 13 s
